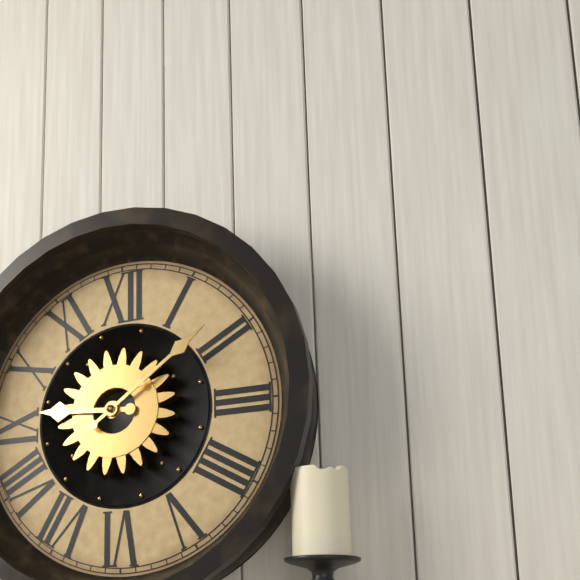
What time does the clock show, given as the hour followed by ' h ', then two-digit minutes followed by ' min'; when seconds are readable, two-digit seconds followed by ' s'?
9 h 09 min
